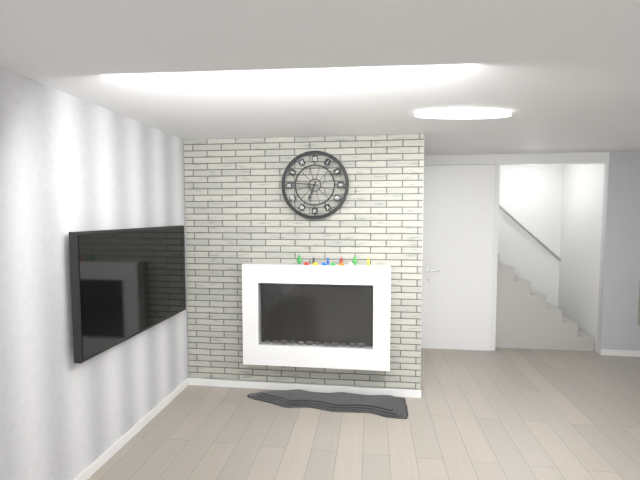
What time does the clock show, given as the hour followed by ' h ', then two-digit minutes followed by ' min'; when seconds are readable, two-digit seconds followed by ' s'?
6 h 46 min
